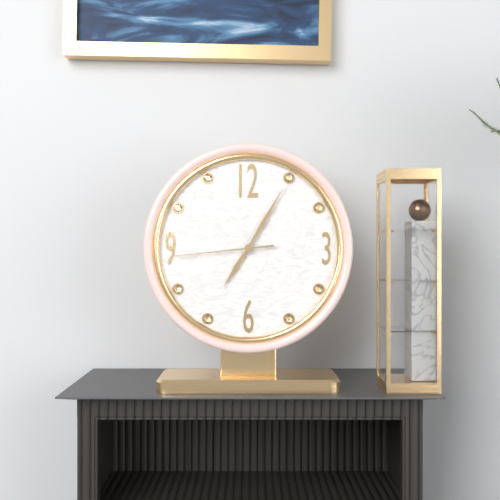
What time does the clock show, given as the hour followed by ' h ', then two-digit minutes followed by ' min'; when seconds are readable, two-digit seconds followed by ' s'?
7 h 05 min 44 s
